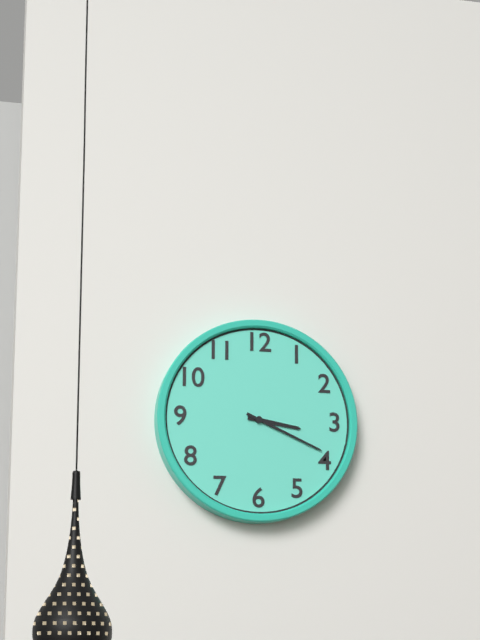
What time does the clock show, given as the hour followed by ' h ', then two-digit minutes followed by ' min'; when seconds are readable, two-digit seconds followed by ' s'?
3 h 19 min
